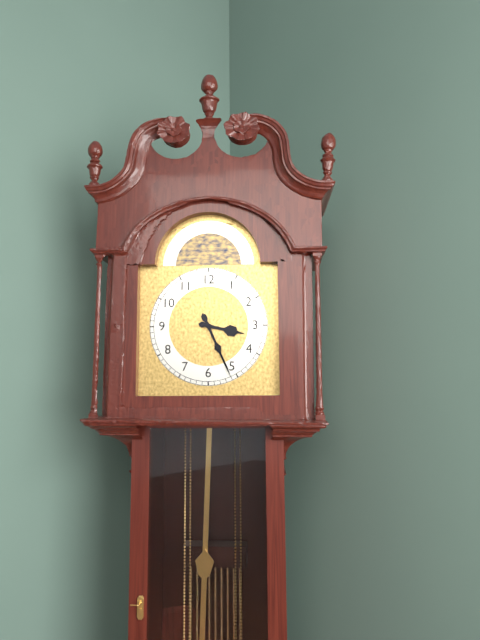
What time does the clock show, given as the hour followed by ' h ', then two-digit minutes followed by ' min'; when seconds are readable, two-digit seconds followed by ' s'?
3 h 26 min
